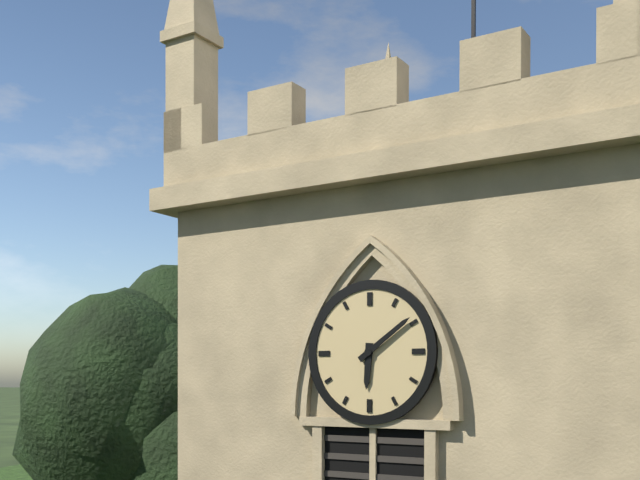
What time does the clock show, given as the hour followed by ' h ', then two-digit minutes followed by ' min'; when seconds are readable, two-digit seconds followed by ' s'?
6 h 09 min
